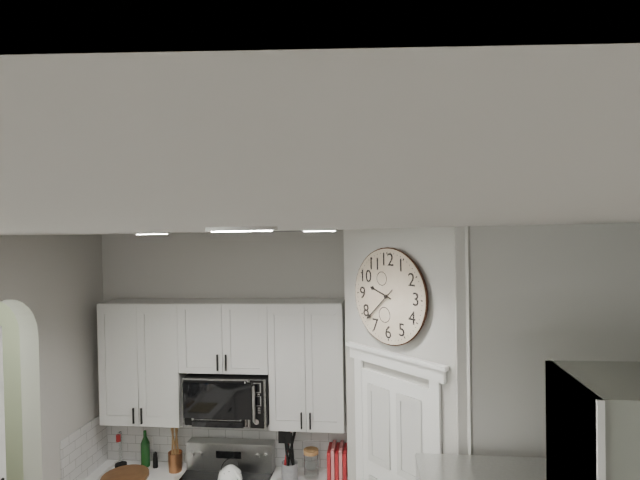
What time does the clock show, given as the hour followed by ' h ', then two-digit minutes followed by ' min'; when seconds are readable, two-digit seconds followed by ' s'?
9 h 38 min
